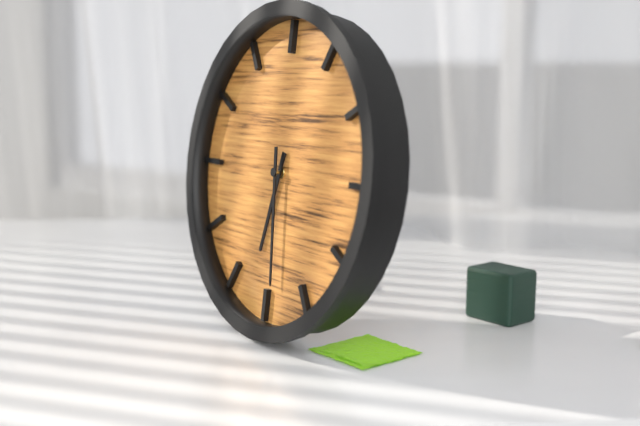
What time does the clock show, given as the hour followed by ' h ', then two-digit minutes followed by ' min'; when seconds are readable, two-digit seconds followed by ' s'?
6 h 29 min
